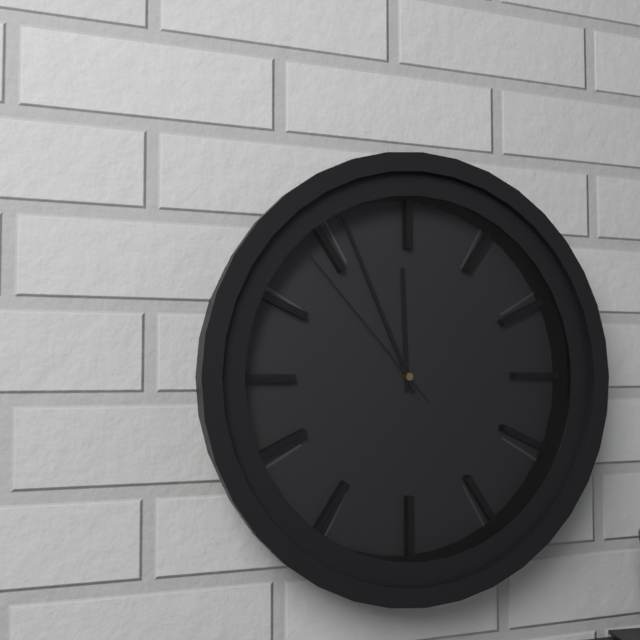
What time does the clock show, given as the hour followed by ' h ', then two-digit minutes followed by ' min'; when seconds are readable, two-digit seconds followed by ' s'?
11 h 56 min 53 s
